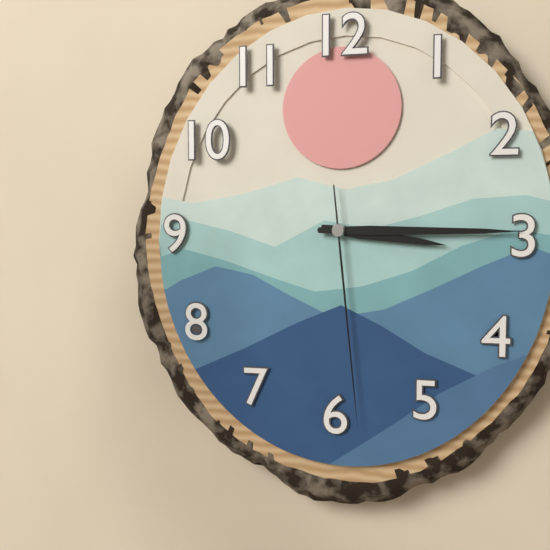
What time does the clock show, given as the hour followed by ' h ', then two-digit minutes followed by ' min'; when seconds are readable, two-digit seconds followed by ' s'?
3 h 15 min 29 s
